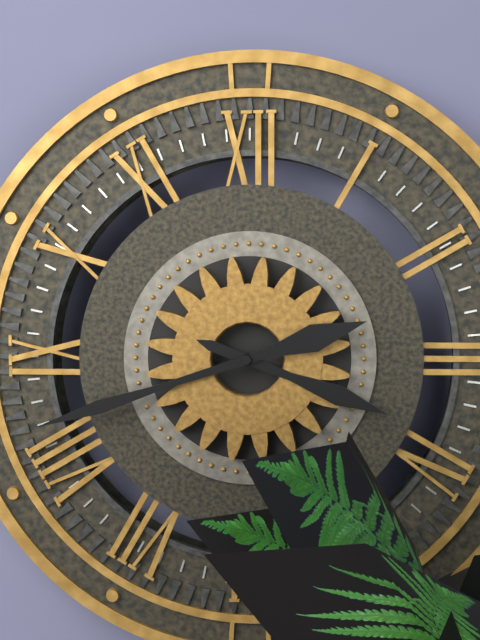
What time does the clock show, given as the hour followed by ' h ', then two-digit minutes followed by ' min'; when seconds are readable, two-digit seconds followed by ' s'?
3 h 42 min
